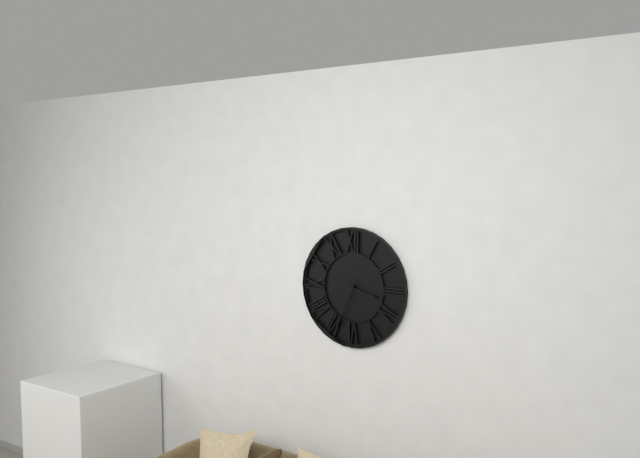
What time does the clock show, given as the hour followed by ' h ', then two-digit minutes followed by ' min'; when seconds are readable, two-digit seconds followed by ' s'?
3 h 34 min
